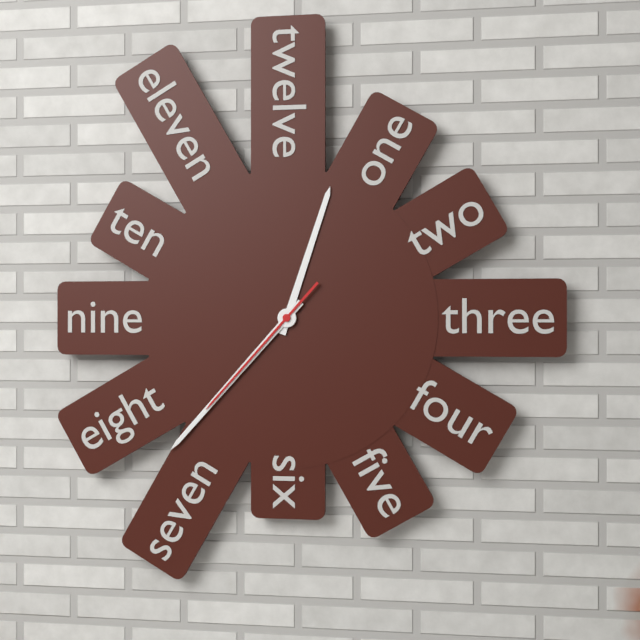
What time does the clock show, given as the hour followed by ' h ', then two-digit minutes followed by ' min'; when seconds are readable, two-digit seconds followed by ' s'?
12 h 37 min 37 s
